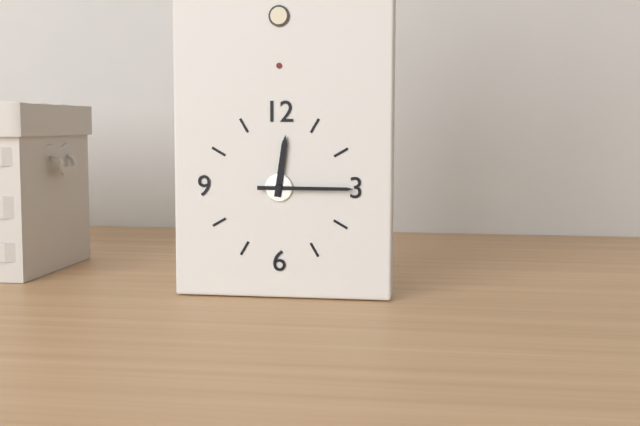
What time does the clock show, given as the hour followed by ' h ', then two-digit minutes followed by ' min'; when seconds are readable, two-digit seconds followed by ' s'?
12 h 15 min
